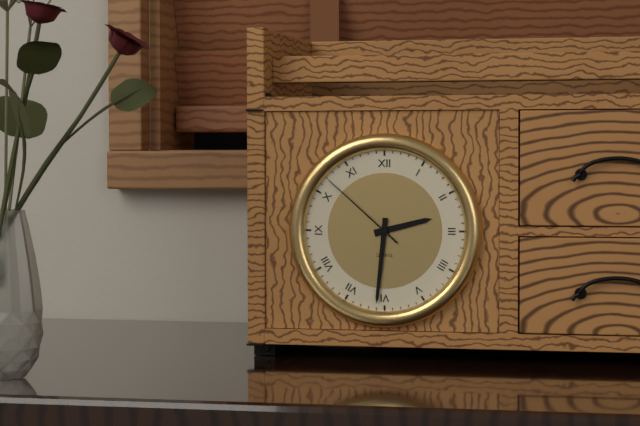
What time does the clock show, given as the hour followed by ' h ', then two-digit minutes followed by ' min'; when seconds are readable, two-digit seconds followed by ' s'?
2 h 31 min 52 s
